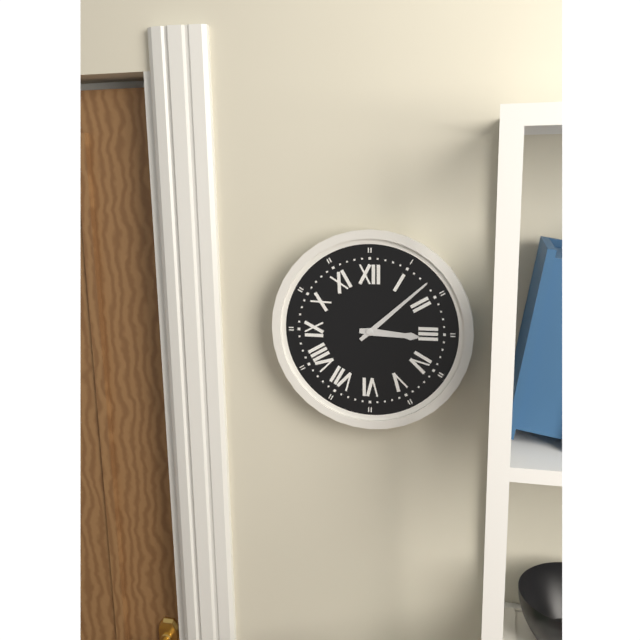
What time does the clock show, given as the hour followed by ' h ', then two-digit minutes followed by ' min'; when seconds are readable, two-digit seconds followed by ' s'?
3 h 08 min
